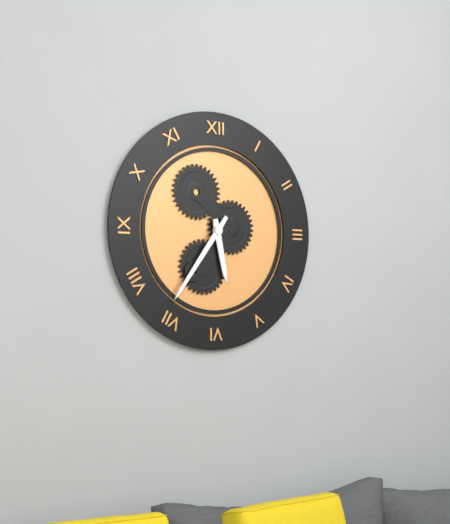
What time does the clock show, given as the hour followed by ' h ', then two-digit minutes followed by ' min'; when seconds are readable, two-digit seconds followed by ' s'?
5 h 36 min
